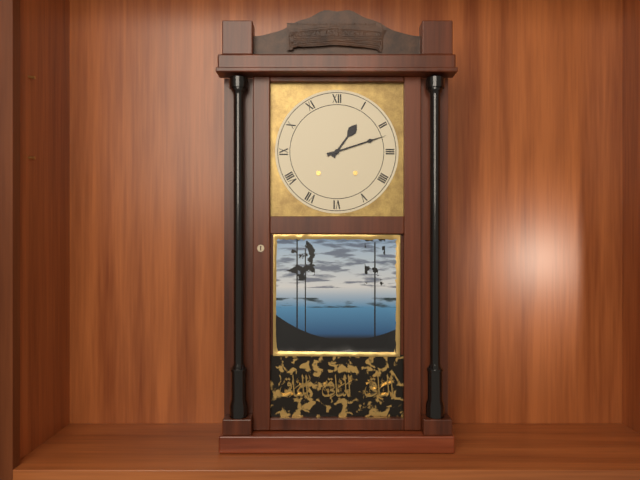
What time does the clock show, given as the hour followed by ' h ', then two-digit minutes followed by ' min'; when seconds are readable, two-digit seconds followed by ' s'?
1 h 12 min
